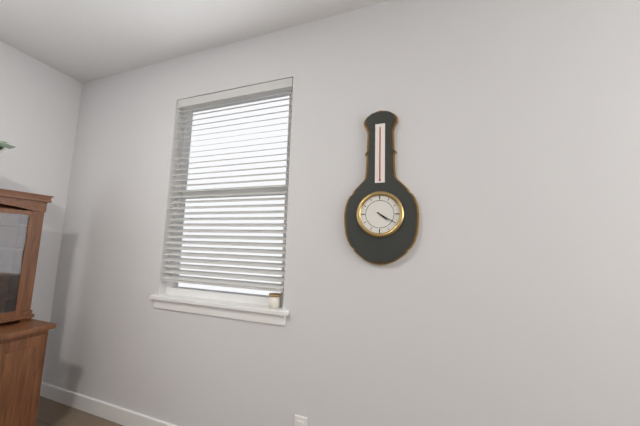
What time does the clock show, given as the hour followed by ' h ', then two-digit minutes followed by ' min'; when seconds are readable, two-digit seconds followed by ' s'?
4 h 20 min
